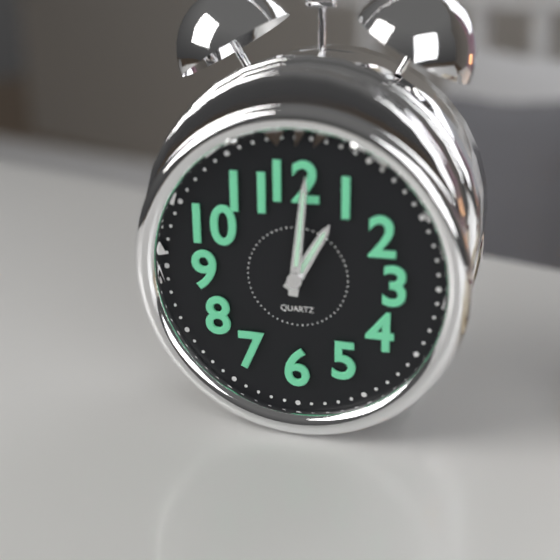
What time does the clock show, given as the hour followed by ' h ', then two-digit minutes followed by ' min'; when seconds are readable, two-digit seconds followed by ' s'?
1 h 01 min
